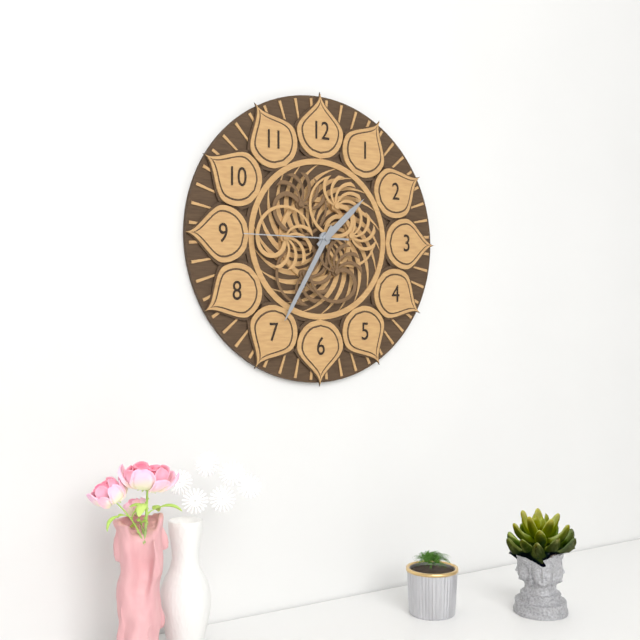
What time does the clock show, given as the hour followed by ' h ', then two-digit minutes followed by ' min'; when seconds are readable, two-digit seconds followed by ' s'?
1 h 35 min 45 s
